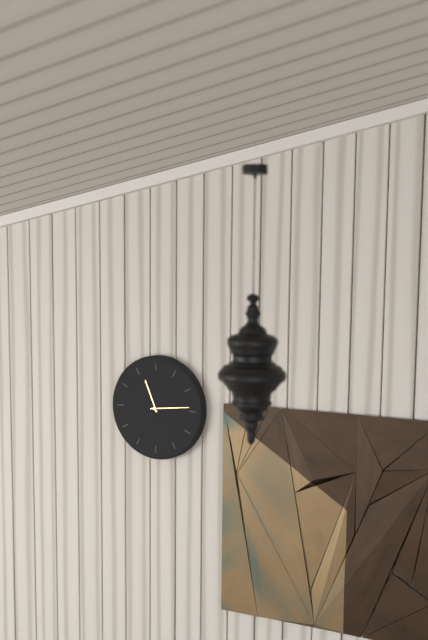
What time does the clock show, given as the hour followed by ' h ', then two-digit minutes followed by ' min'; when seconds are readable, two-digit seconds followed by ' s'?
11 h 14 min
